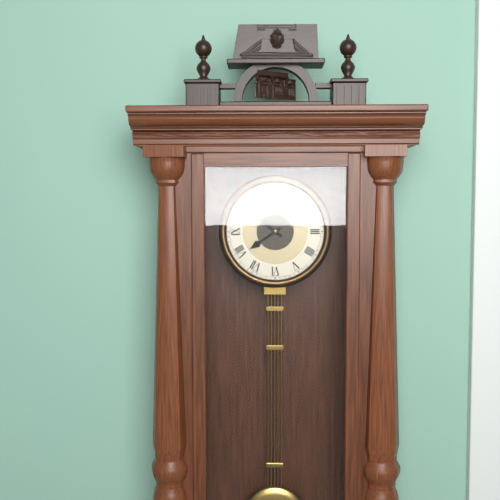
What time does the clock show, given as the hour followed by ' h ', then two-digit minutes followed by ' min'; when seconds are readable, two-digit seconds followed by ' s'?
7 h 51 min
